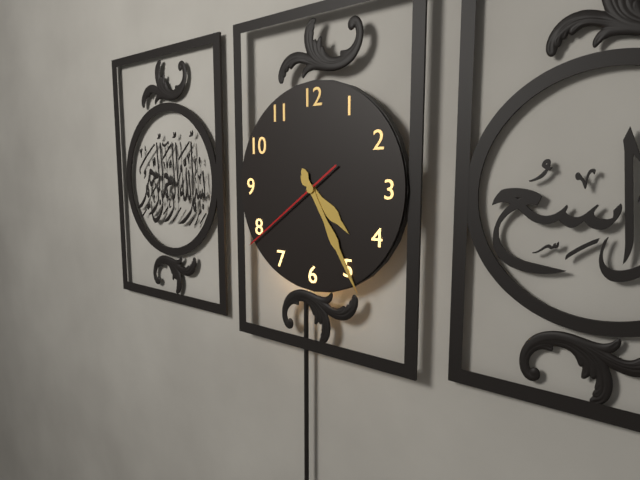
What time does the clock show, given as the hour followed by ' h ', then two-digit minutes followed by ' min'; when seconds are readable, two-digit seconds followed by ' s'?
4 h 25 min 39 s
